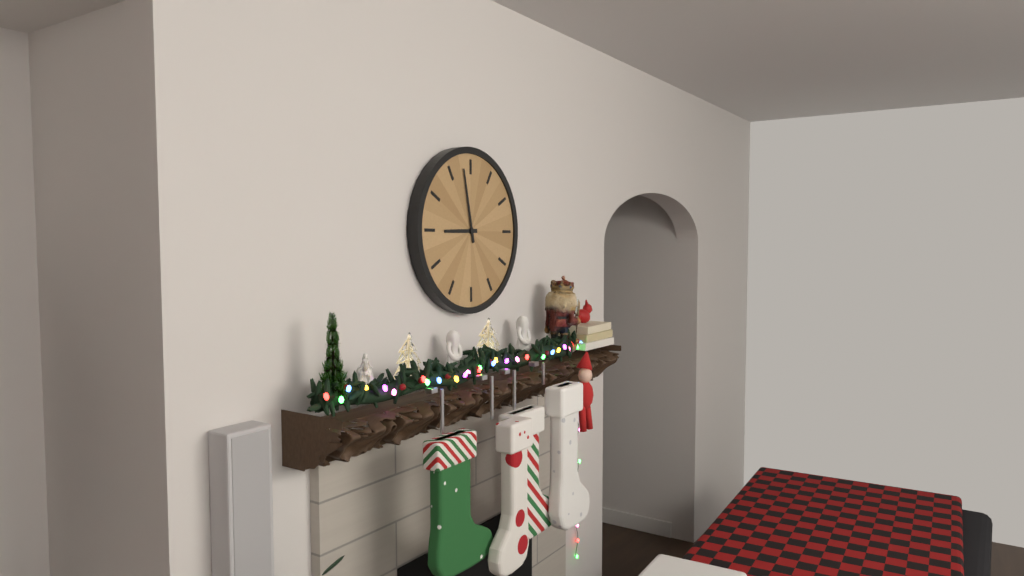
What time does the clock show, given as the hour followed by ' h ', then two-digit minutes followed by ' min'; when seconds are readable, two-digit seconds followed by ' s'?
8 h 58 min
